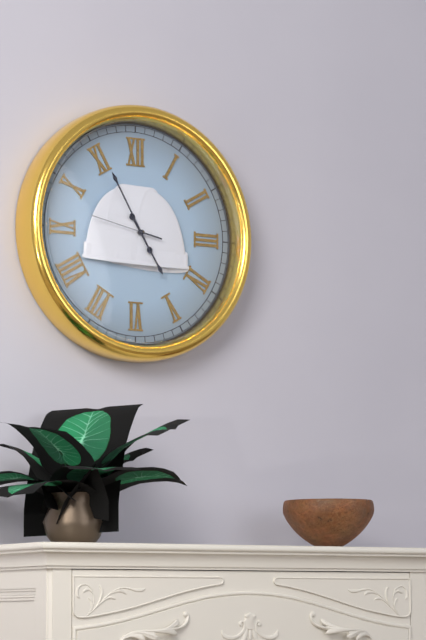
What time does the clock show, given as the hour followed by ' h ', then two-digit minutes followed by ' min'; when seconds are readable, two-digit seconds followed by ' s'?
4 h 55 min 47 s
